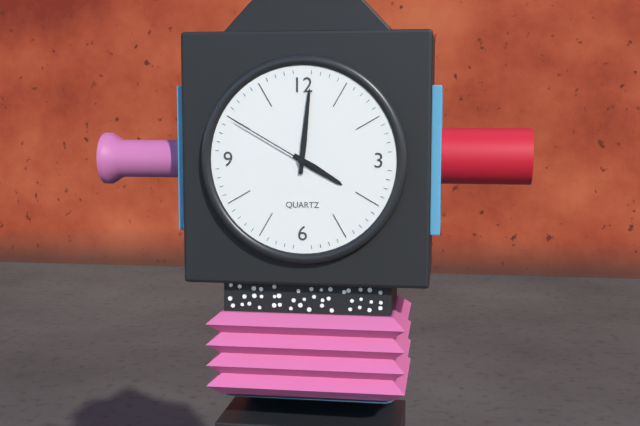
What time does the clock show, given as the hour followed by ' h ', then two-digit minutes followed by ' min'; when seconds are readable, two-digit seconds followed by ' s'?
4 h 01 min 50 s
